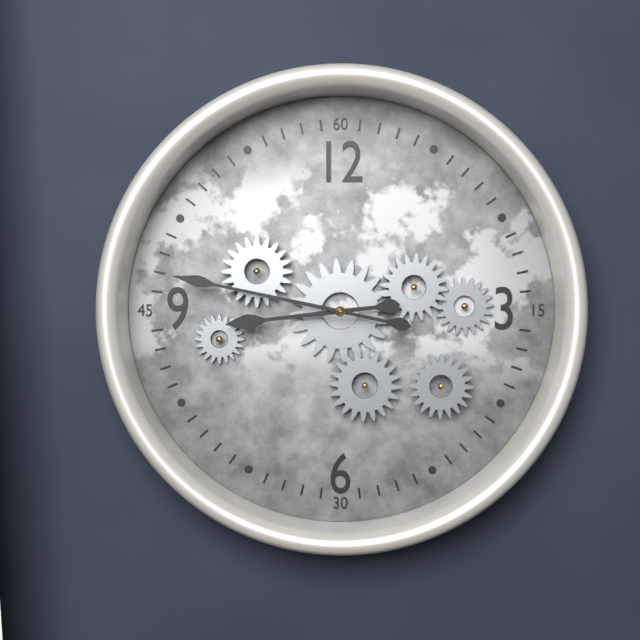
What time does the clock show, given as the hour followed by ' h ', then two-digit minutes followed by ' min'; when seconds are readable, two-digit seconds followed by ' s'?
8 h 47 min
